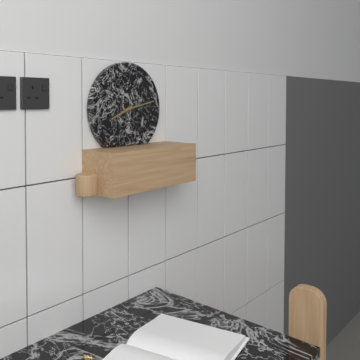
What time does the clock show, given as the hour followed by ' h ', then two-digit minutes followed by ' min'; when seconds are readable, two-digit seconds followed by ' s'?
8 h 13 min
